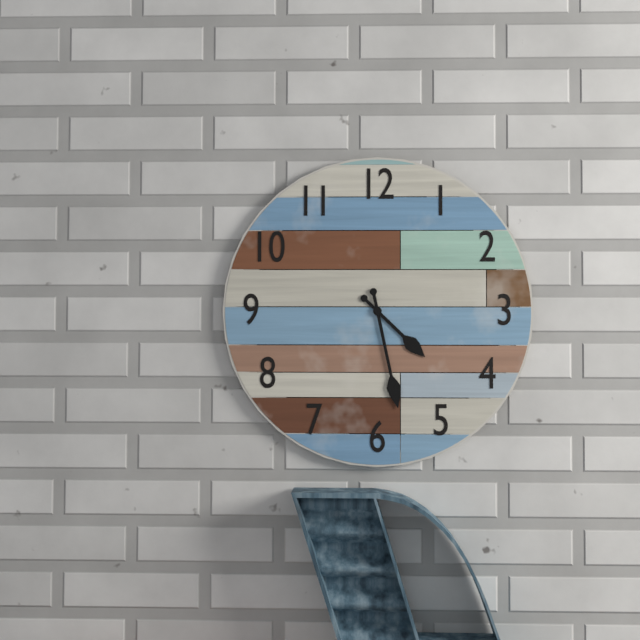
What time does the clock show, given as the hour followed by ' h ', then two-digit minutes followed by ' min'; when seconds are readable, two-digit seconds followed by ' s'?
4 h 28 min
